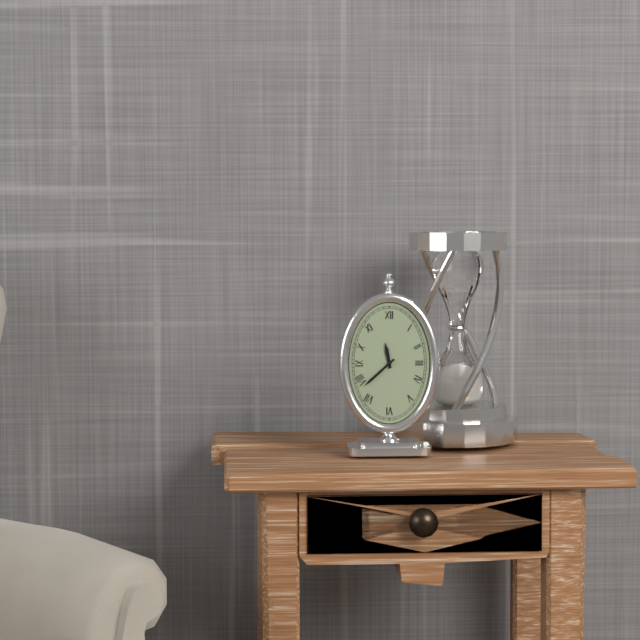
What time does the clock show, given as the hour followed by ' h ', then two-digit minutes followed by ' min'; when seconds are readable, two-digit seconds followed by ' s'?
11 h 38 min
